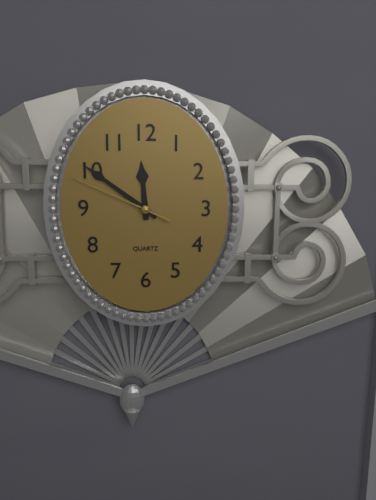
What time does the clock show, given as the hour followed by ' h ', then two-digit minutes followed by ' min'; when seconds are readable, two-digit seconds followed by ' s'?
11 h 51 min 49 s
